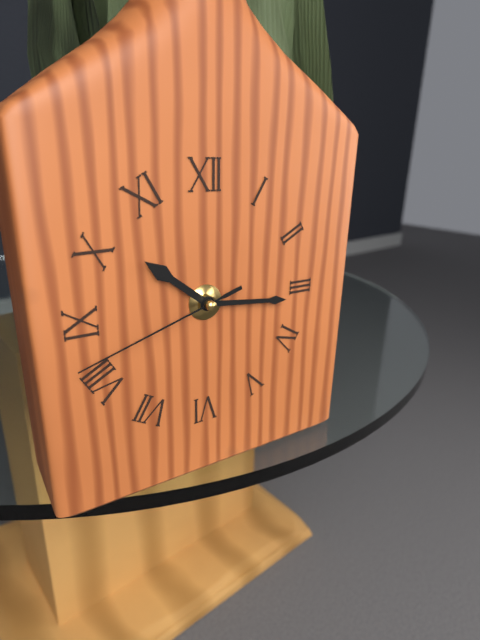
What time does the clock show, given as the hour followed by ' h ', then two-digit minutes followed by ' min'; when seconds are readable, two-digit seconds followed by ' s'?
10 h 16 min 42 s
